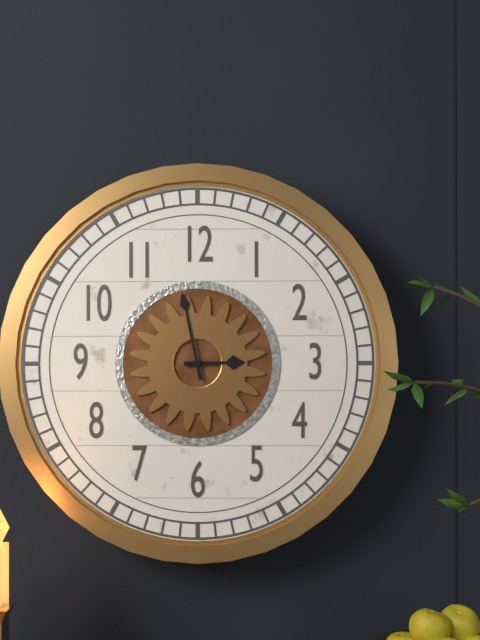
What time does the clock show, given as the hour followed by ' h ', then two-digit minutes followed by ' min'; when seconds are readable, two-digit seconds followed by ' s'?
2 h 58 min
